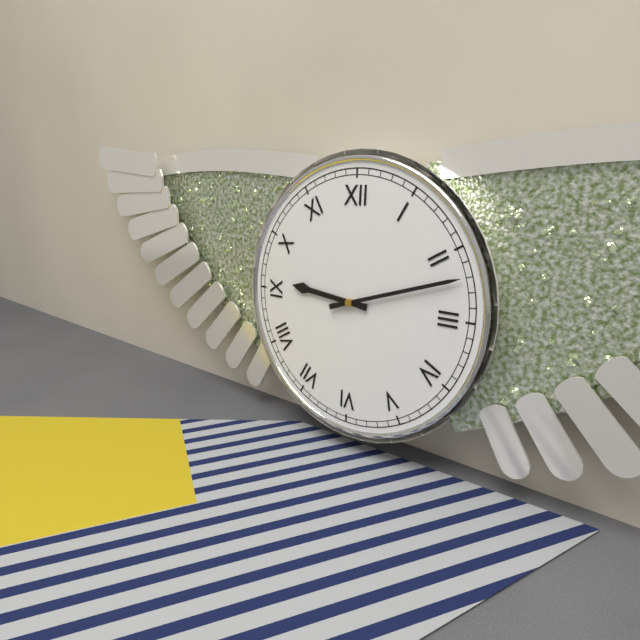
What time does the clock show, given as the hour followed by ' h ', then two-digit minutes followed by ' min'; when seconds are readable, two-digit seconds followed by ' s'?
9 h 12 min
